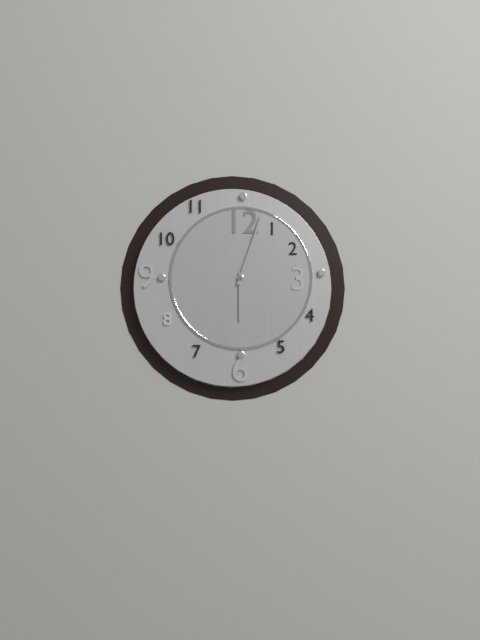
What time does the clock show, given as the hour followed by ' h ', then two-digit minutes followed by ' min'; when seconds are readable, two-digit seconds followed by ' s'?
6 h 03 min
